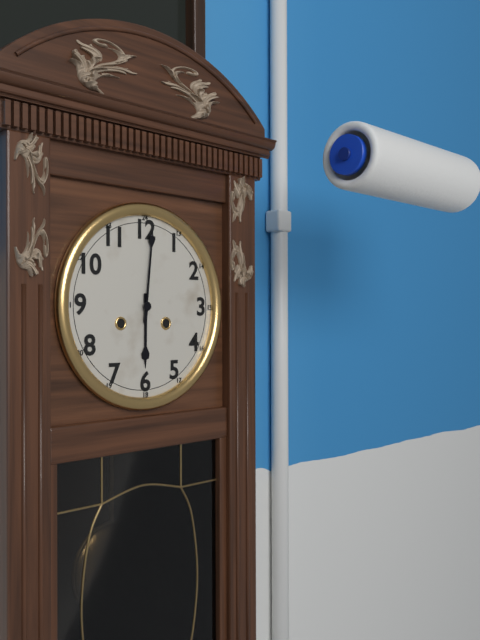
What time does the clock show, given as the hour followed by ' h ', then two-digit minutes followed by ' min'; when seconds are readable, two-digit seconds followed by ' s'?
6 h 01 min
